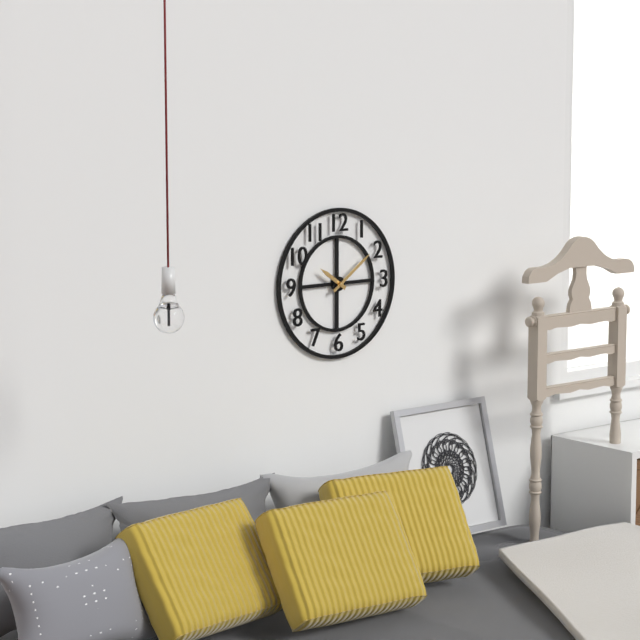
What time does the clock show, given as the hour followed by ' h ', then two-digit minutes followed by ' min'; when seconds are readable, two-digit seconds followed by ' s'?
10 h 09 min
